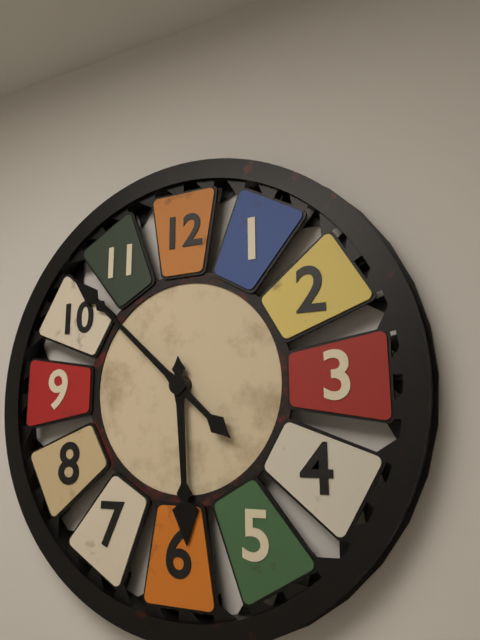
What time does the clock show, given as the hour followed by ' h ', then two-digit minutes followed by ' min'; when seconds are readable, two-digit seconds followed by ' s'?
5 h 52 min
